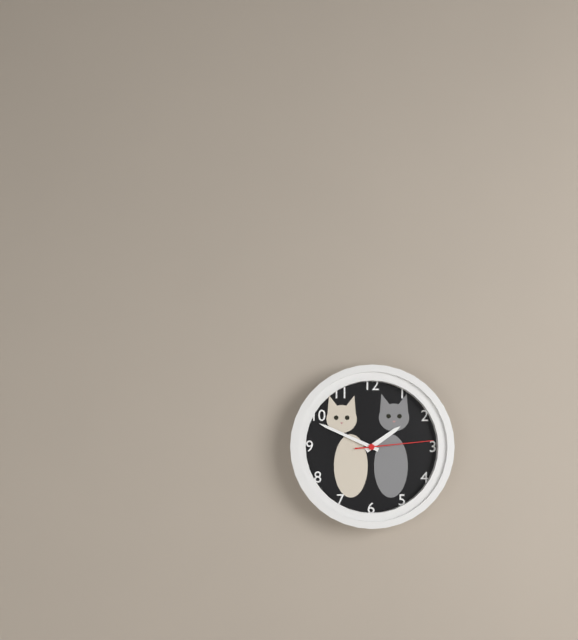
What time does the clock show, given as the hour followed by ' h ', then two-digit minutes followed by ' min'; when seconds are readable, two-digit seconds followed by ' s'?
1 h 49 min 14 s
